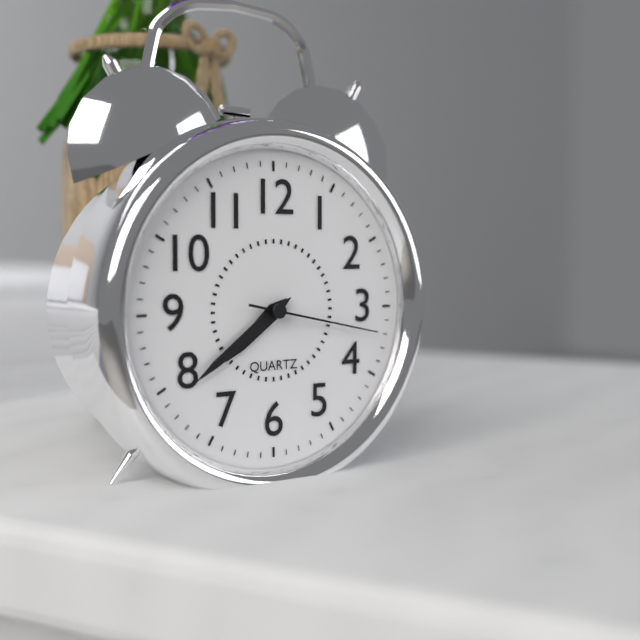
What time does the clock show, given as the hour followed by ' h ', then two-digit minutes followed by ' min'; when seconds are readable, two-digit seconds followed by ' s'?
7 h 39 min 17 s
